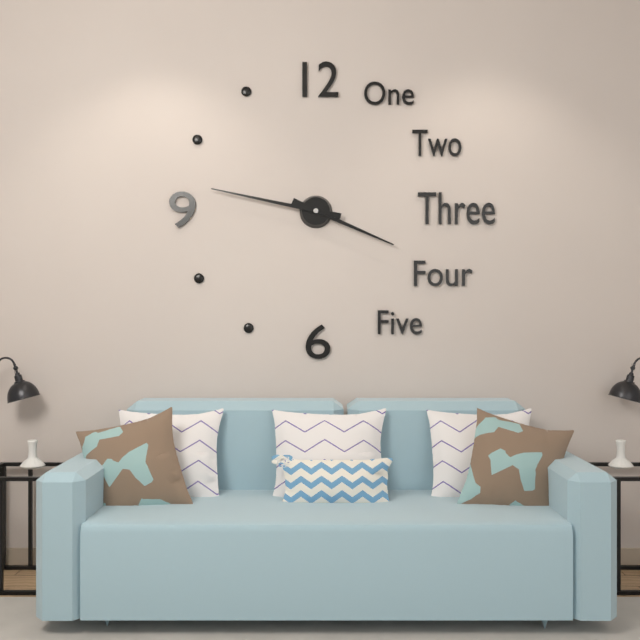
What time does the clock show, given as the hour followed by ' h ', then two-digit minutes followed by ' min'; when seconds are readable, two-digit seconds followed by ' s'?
3 h 47 min
